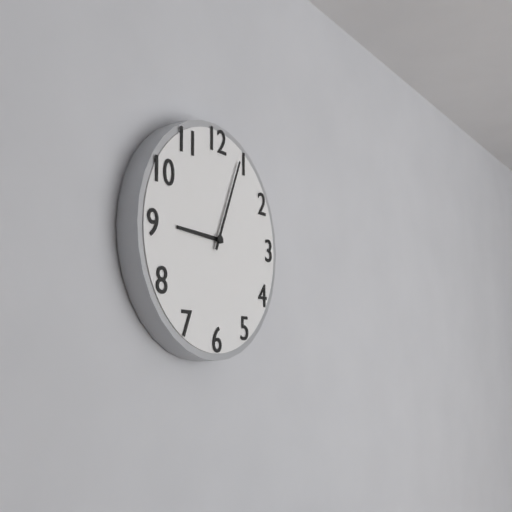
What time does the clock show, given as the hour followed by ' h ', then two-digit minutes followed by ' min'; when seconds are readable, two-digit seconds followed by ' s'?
9 h 04 min
